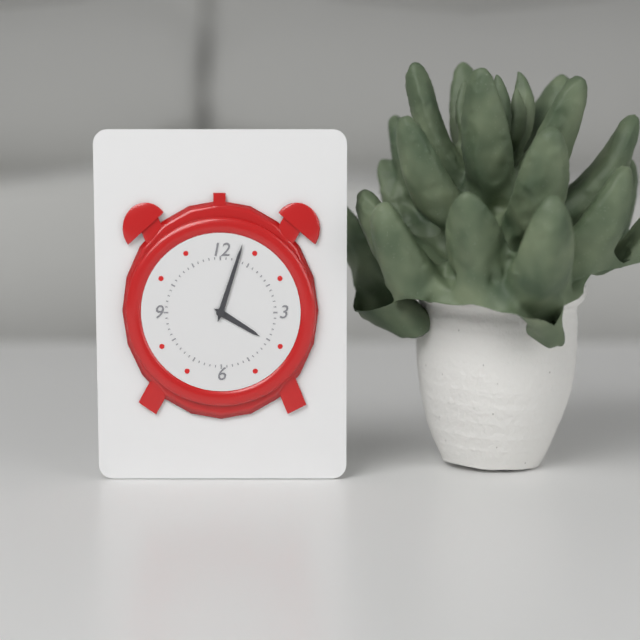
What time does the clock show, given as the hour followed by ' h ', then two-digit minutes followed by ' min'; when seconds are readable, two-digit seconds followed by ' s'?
4 h 03 min
